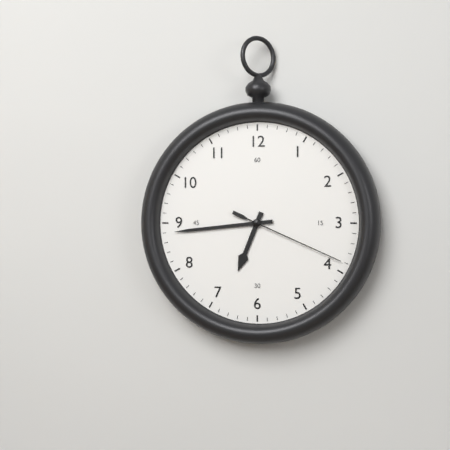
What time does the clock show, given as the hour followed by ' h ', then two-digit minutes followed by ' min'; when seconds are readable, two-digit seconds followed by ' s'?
6 h 44 min 19 s
